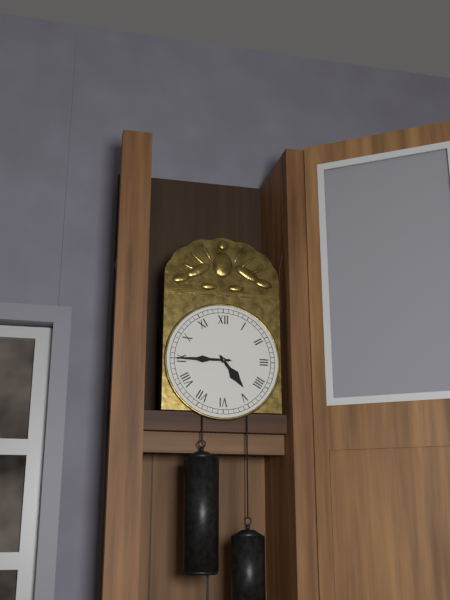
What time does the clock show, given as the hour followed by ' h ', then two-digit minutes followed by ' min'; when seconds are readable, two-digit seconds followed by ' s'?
4 h 45 min
